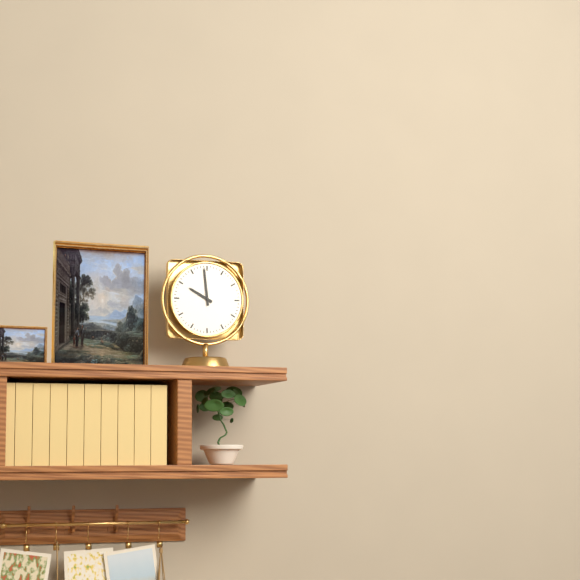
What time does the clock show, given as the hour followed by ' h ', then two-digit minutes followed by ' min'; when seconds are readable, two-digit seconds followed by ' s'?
9 h 59 min
